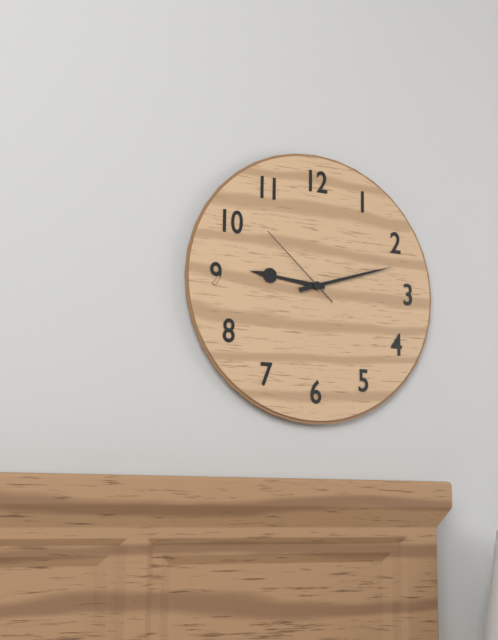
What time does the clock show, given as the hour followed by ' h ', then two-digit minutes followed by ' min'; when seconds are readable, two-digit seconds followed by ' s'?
9 h 12 min 52 s
